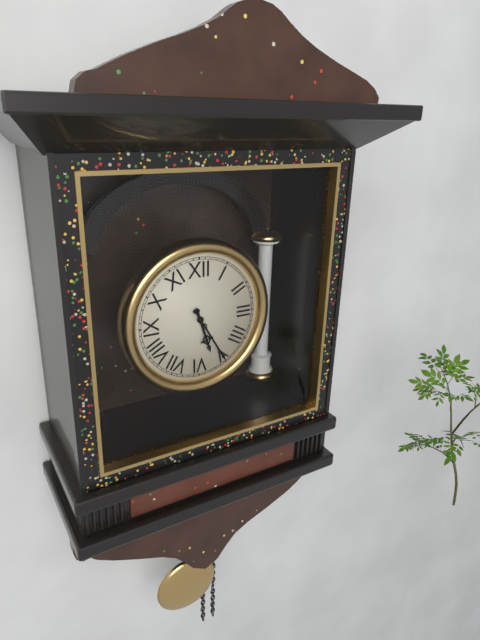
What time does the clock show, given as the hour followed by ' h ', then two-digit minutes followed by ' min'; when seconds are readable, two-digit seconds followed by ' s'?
5 h 25 min
